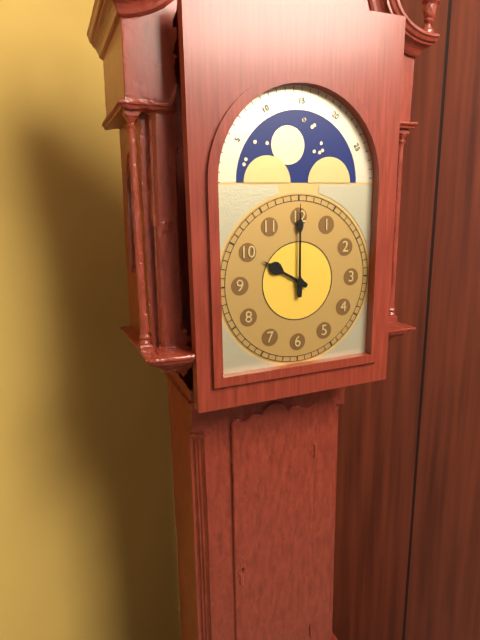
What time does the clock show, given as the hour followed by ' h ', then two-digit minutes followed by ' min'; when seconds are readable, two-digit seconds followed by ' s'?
10 h 00 min
